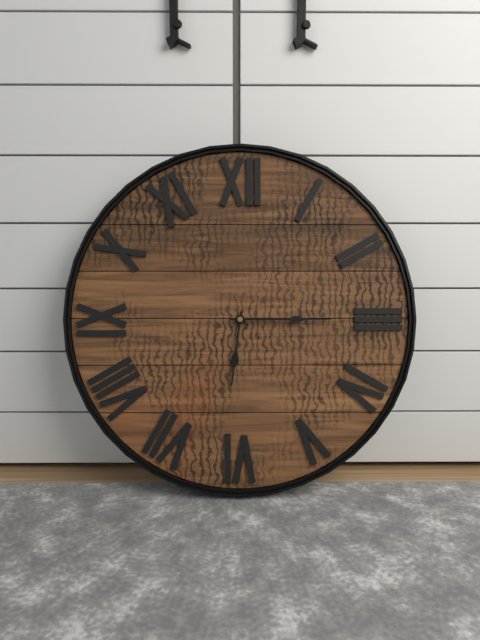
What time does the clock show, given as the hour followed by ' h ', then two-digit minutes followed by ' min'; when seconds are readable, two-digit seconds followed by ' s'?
6 h 15 min
